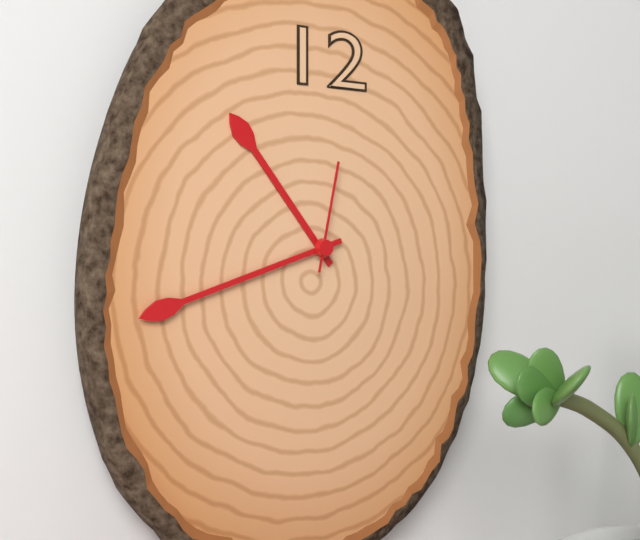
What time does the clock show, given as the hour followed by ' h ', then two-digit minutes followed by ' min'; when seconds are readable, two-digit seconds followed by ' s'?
10 h 42 min 02 s
